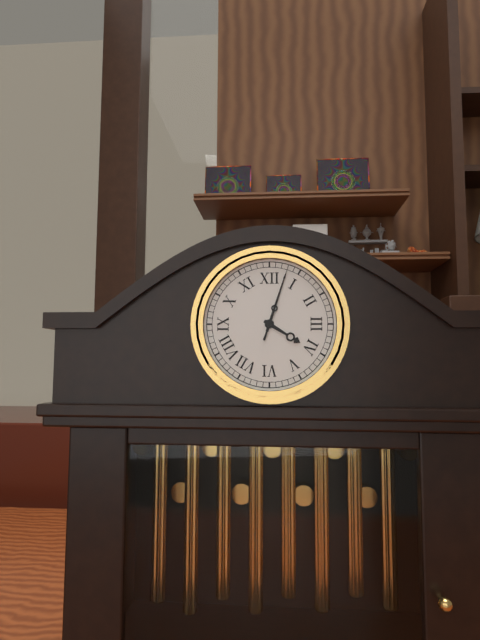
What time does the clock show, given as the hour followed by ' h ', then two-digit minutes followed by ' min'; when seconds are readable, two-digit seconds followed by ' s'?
4 h 03 min 03 s
